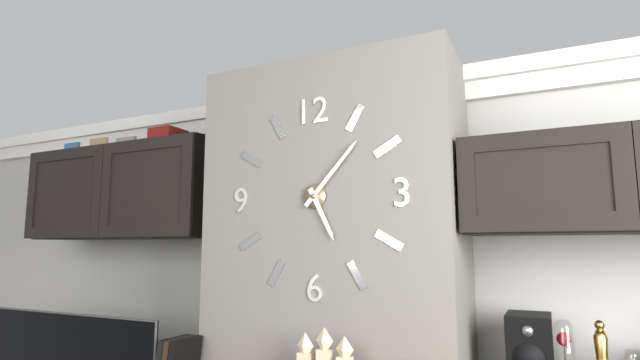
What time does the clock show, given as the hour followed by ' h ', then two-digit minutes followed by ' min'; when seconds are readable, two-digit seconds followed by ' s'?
5 h 07 min
